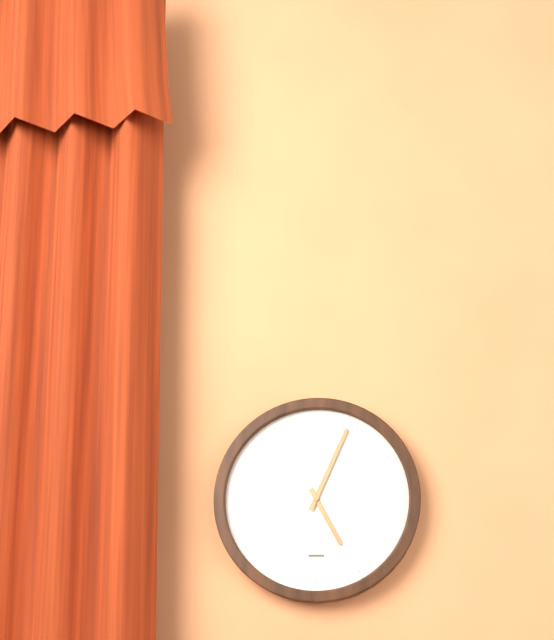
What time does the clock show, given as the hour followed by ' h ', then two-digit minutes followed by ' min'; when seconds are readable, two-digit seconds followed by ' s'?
5 h 04 min
